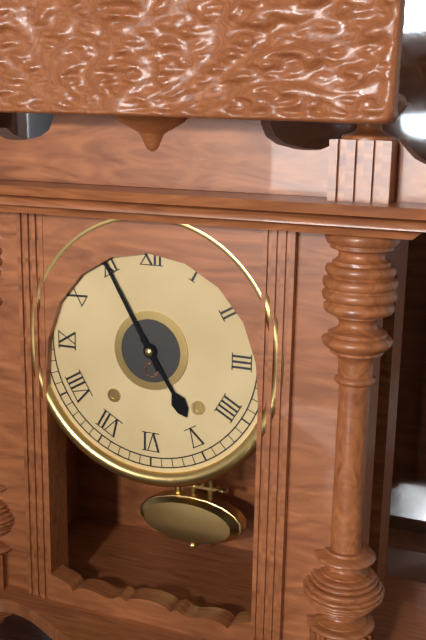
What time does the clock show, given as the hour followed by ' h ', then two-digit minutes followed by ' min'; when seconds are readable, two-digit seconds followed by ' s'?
4 h 55 min
